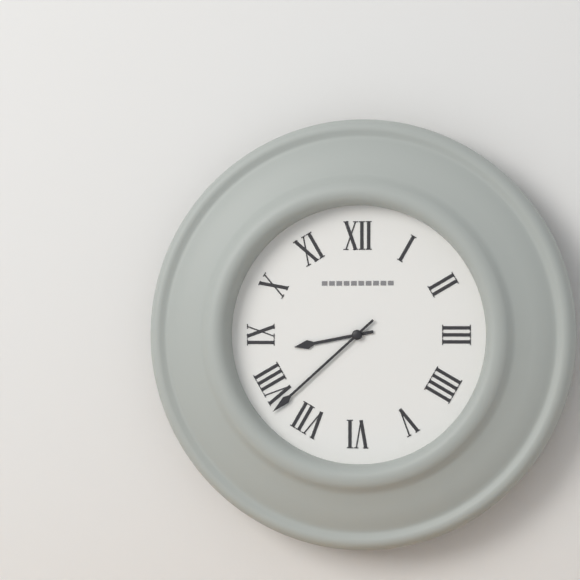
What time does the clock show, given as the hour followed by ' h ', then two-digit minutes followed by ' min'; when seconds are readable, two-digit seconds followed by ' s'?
8 h 38 min
